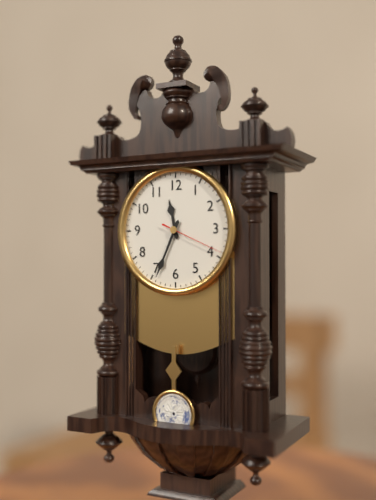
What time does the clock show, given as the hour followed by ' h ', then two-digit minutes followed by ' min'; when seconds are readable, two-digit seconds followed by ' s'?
11 h 34 min 19 s
